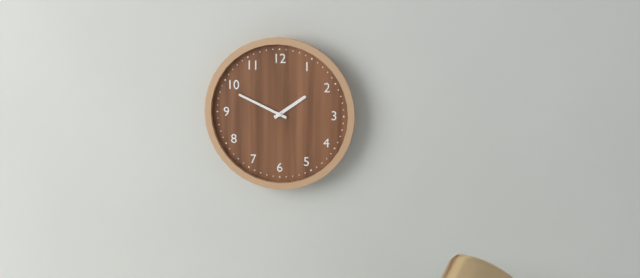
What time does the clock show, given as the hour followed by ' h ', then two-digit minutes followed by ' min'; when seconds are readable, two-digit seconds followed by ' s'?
1 h 49 min
